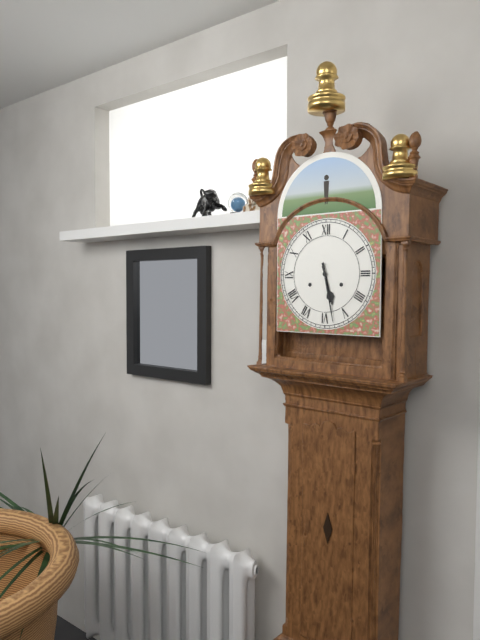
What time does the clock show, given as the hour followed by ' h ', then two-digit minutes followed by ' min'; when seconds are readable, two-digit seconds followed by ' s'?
5 h 28 min
